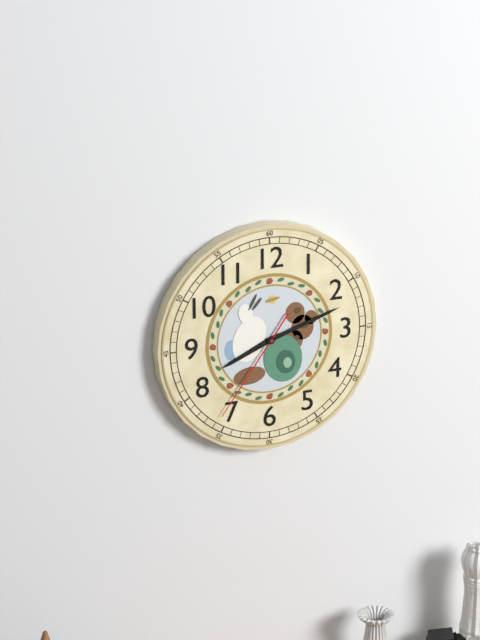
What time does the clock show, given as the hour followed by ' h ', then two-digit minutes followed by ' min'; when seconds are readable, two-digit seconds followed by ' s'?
8 h 12 min 36 s
